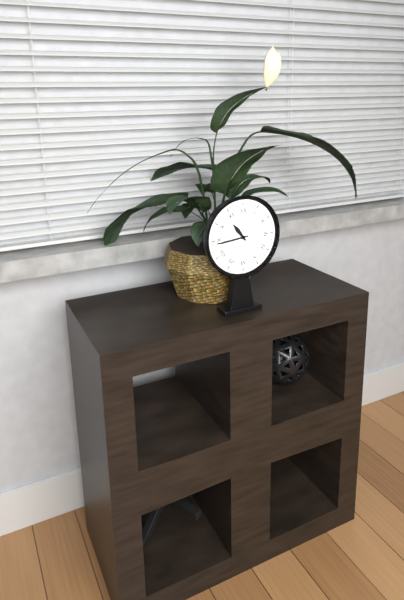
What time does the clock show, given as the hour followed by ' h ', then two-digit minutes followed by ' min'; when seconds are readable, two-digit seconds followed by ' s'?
10 h 44 min
